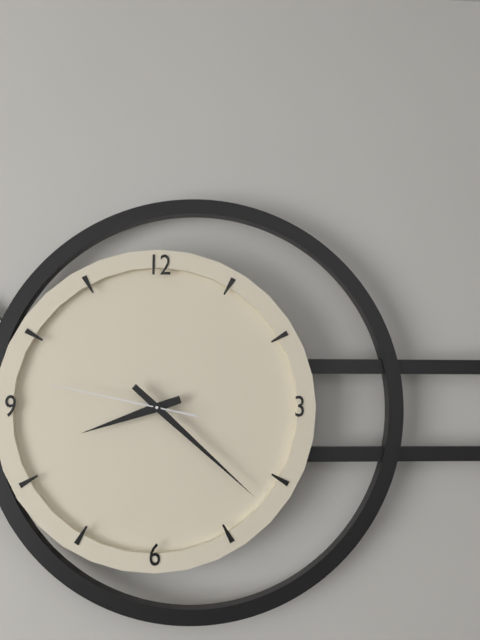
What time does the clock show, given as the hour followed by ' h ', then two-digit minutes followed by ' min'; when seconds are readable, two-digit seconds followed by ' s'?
8 h 22 min 47 s
